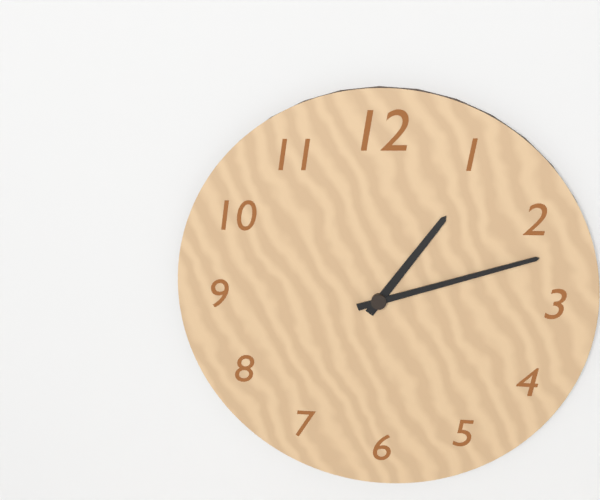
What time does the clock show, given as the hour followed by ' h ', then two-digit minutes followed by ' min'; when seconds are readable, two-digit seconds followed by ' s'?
1 h 12 min
